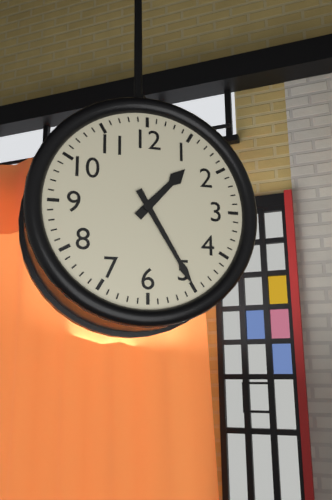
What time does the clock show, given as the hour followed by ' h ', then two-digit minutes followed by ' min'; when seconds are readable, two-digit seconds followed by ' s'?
1 h 25 min
